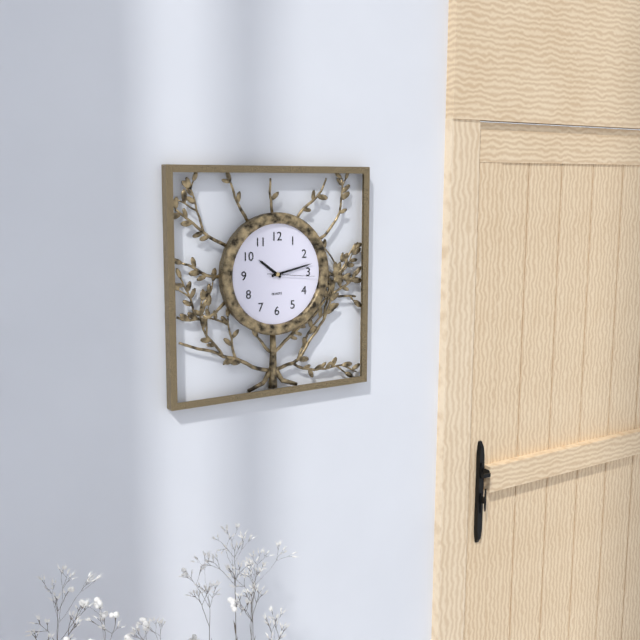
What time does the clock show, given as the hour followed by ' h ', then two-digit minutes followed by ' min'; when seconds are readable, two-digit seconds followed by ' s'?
10 h 13 min
